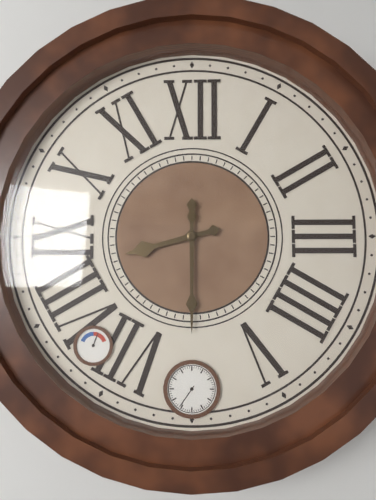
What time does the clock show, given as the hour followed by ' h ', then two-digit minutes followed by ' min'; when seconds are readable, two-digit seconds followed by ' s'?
8 h 30 min
